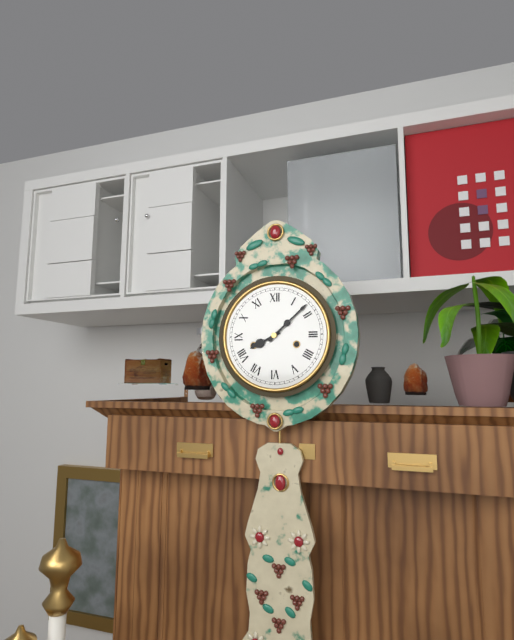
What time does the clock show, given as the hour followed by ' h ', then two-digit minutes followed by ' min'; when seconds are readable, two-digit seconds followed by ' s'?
8 h 08 min
